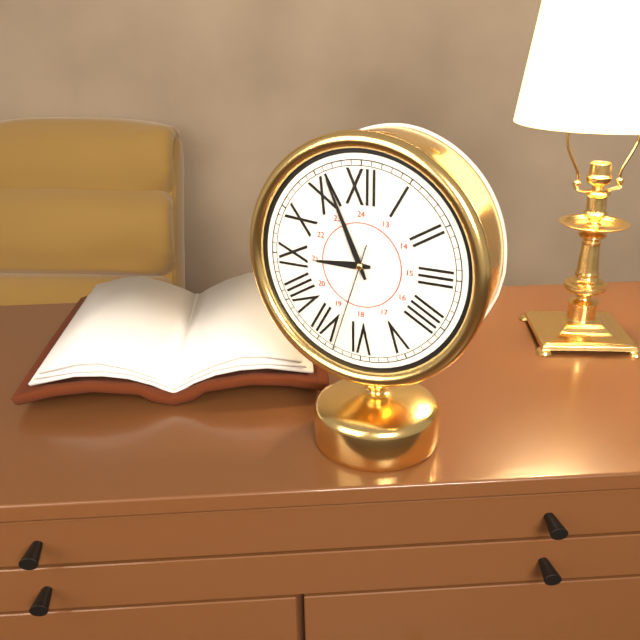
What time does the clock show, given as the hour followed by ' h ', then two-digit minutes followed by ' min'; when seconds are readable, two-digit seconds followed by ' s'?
8 h 56 min 33 s
